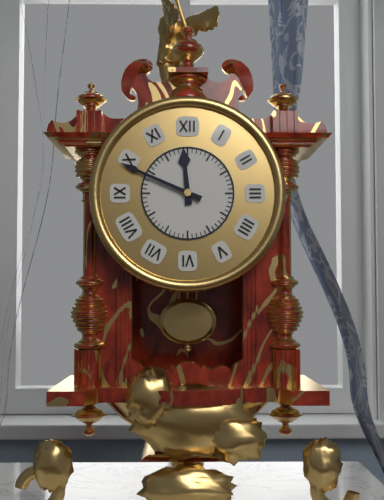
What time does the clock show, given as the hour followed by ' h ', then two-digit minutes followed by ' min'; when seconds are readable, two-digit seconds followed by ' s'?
11 h 49 min
